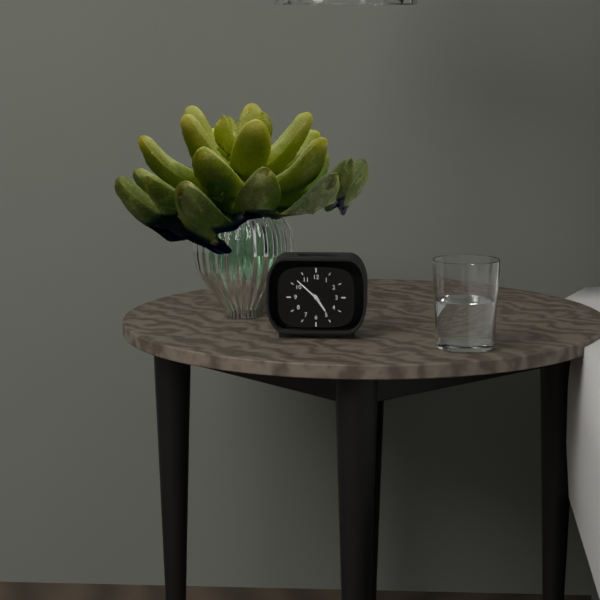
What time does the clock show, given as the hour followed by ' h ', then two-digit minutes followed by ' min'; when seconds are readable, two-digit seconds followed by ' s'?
4 h 52 min
